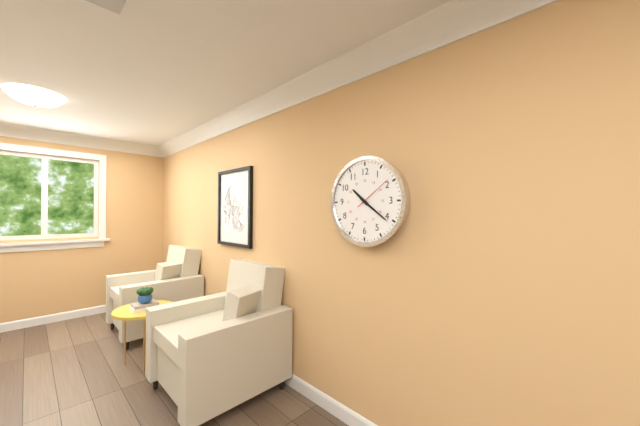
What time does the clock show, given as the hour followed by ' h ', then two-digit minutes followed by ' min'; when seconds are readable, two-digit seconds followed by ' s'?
10 h 21 min
